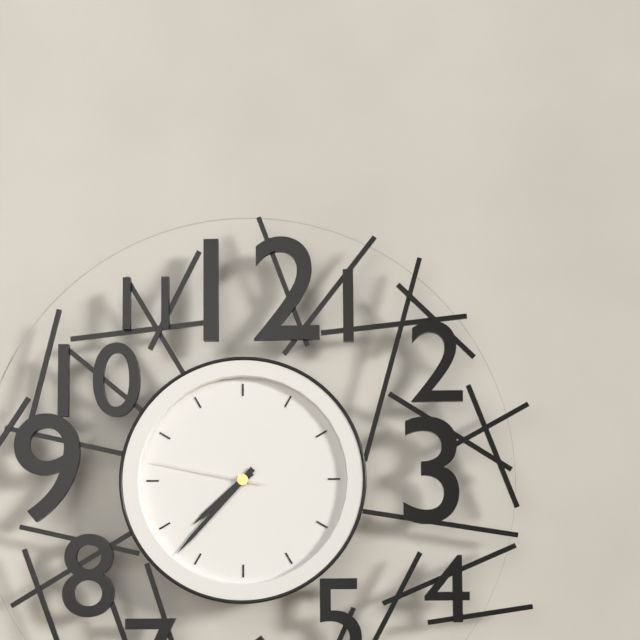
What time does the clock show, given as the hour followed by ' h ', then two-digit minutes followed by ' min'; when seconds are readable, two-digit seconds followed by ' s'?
7 h 37 min 47 s
